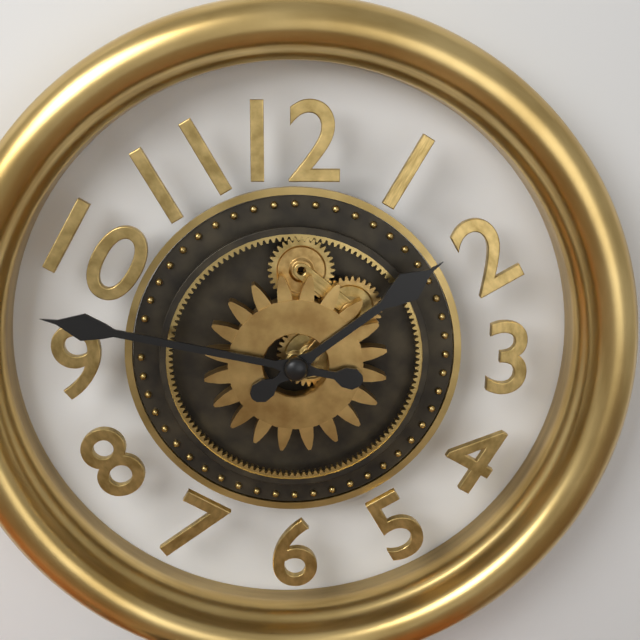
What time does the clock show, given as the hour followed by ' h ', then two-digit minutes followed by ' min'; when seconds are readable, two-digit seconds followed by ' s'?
1 h 47 min
